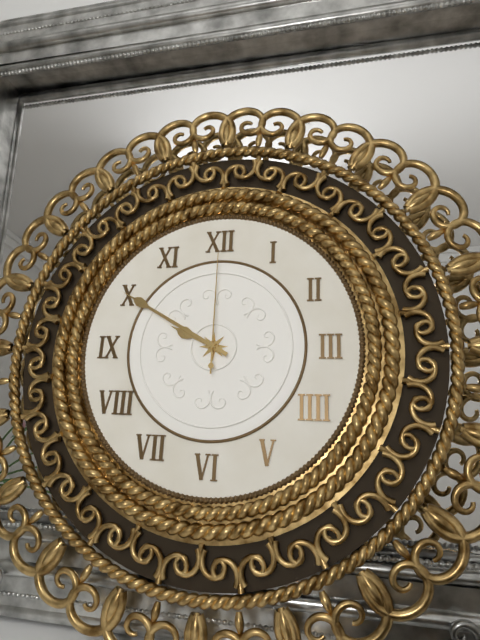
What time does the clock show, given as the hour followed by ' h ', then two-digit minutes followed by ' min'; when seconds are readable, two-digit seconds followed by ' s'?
9 h 50 min 00 s
